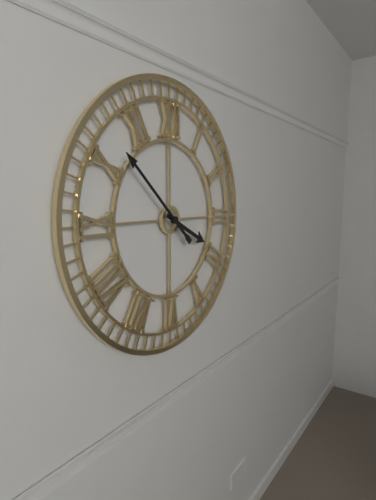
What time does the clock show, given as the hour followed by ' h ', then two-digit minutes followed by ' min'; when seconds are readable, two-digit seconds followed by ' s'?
3 h 52 min
